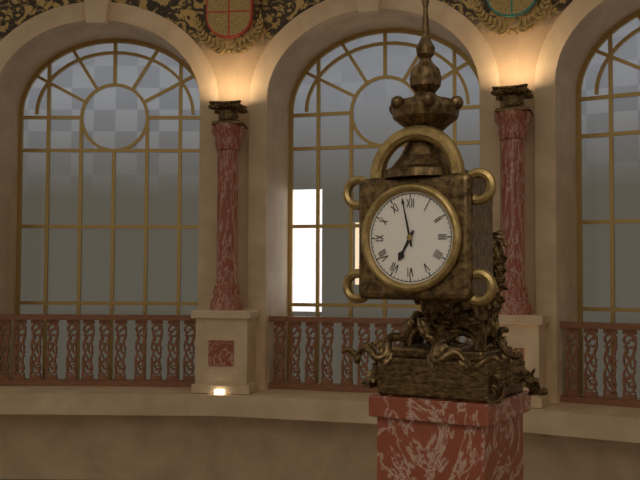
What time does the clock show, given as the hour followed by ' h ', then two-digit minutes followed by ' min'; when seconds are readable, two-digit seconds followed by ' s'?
6 h 58 min
